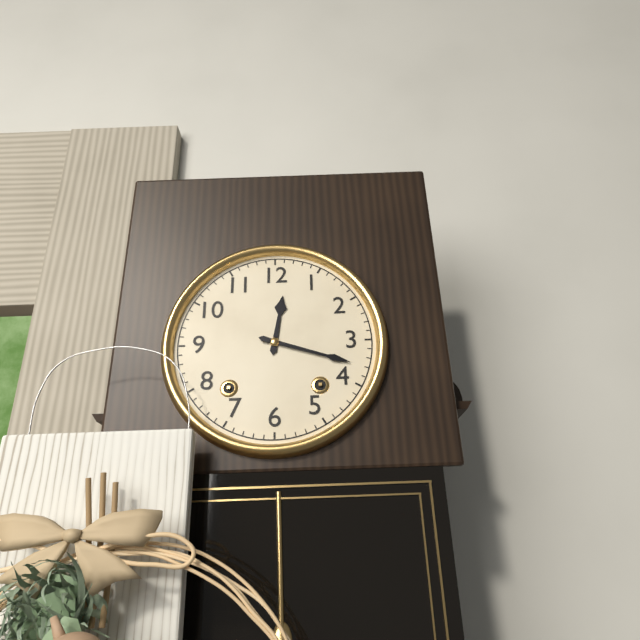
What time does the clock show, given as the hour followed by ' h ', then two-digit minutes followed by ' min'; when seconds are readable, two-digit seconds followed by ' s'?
12 h 18 min
